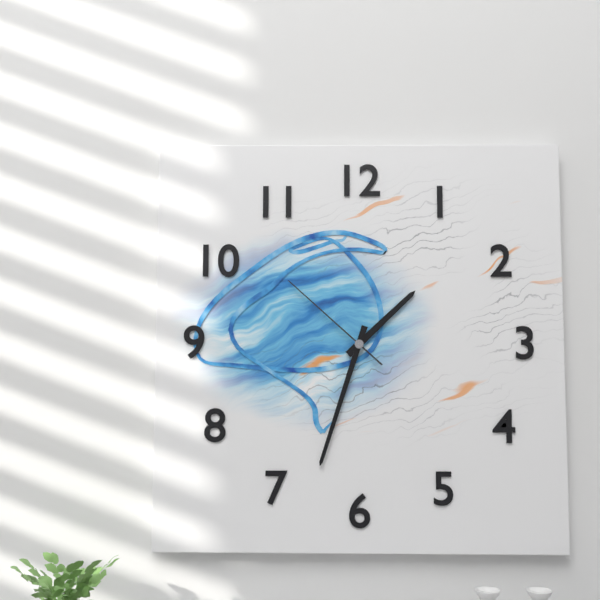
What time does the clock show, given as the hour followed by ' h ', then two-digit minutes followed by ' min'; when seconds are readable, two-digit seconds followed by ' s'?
1 h 33 min 52 s
